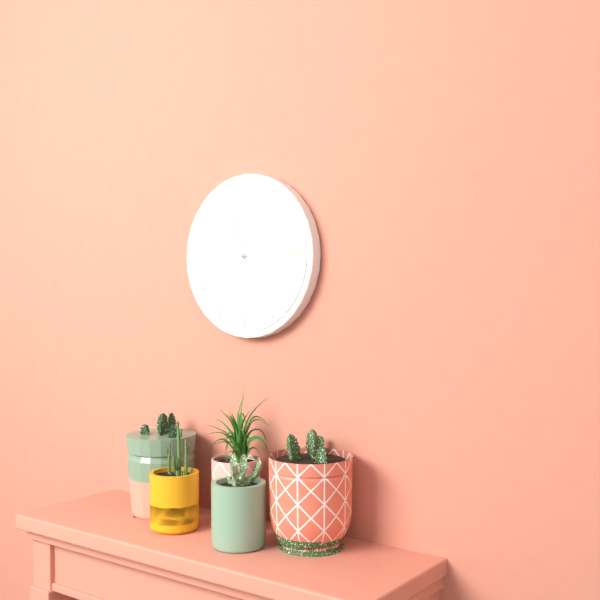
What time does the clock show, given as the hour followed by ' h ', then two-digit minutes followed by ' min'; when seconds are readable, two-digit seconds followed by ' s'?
11 h 20 min
